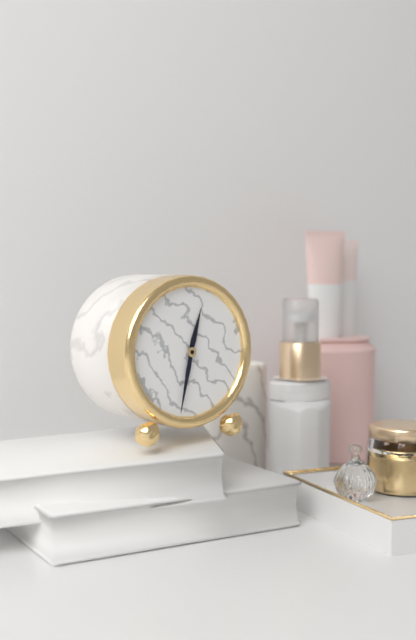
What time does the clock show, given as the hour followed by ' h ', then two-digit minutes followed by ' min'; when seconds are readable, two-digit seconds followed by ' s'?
12 h 32 min
